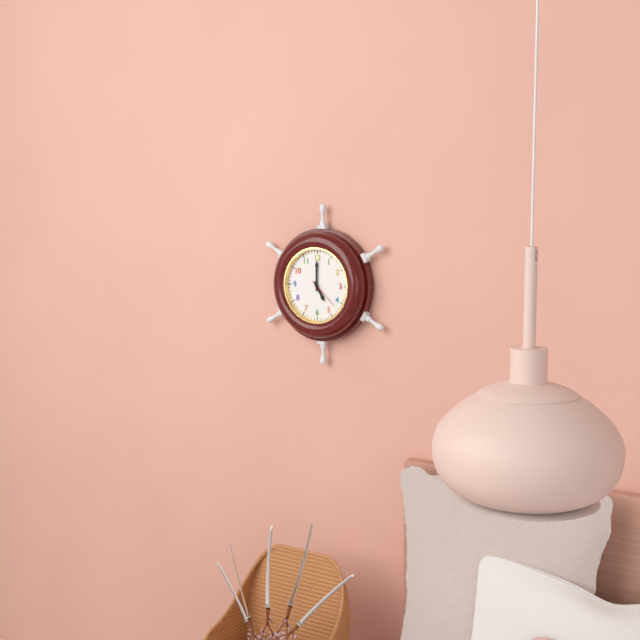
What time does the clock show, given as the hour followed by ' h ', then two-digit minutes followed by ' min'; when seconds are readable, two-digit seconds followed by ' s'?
5 h 00 min
